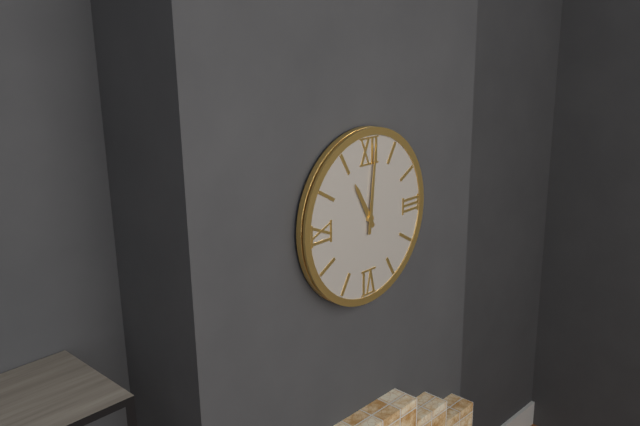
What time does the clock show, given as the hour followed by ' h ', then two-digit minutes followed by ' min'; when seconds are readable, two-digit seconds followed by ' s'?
11 h 01 min
